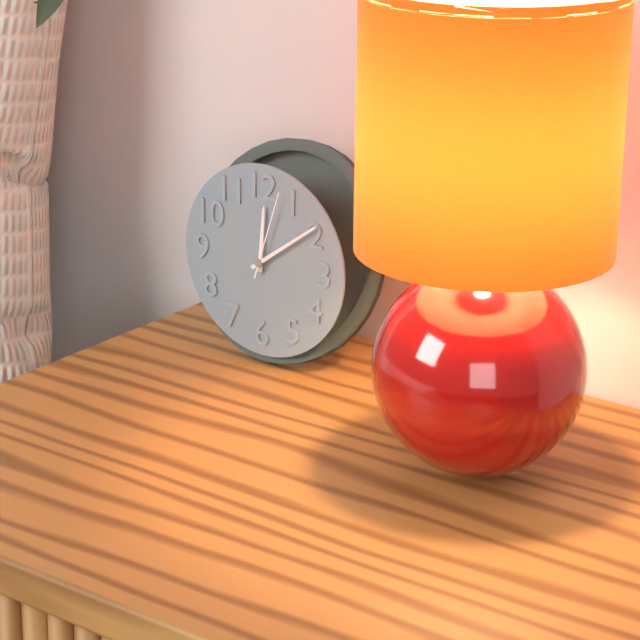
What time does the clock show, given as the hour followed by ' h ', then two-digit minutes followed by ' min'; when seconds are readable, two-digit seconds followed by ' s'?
12 h 09 min 03 s
